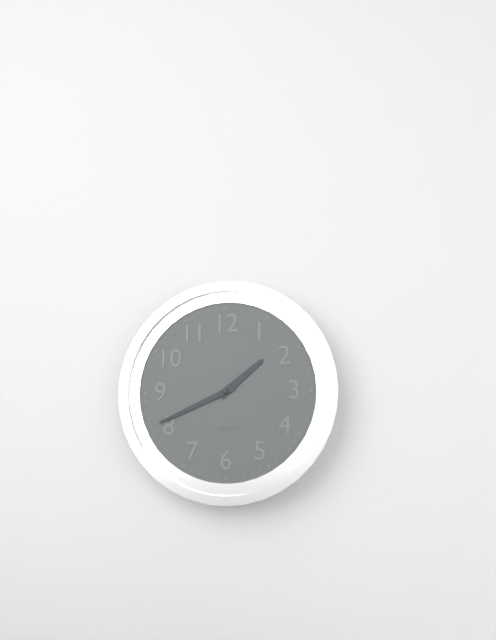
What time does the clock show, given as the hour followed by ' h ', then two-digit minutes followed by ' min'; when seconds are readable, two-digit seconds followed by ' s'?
1 h 41 min
